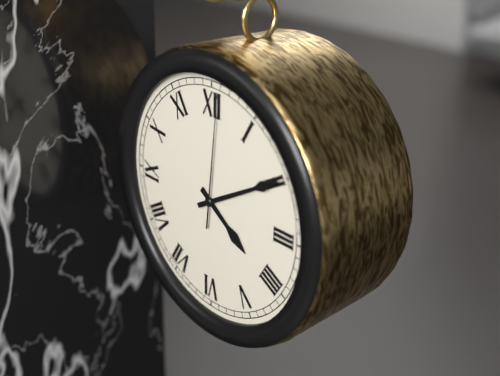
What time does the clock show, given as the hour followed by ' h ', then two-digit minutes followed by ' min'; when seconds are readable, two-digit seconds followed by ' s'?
4 h 10 min 01 s
